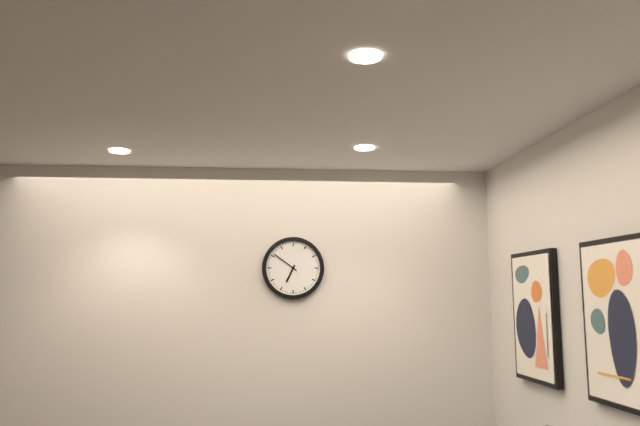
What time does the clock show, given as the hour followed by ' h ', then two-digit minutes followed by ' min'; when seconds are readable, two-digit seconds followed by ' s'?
6 h 51 min
